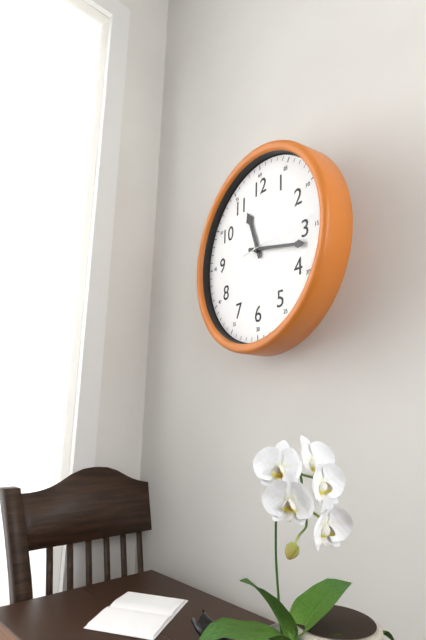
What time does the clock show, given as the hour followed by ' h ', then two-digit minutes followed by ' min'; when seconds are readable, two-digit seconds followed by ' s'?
11 h 17 min 14 s
